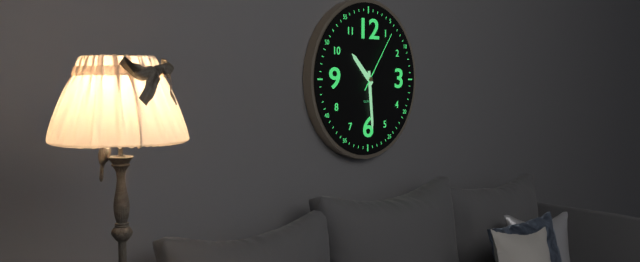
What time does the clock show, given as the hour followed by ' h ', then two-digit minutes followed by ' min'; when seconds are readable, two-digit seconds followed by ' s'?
10 h 29 min 06 s
